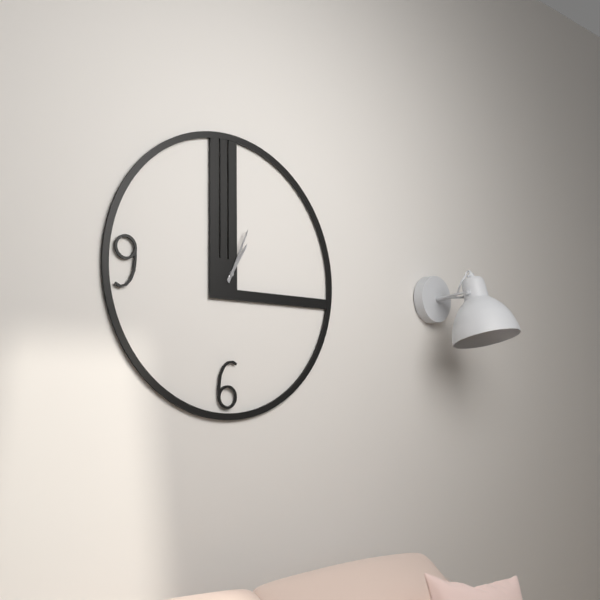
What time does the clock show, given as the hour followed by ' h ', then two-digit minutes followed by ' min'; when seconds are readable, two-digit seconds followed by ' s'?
1 h 04 min
